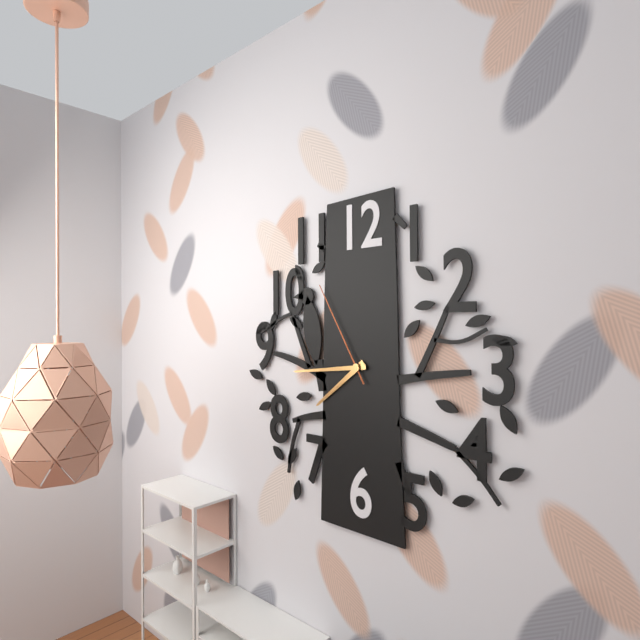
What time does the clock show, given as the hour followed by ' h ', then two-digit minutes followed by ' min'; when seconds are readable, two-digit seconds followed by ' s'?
7 h 44 min 55 s
